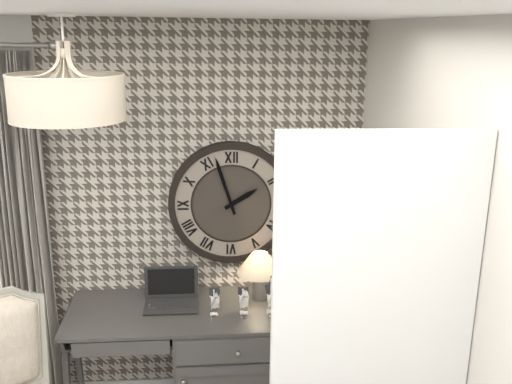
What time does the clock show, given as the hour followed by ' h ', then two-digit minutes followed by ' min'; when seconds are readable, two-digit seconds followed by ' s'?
1 h 57 min
